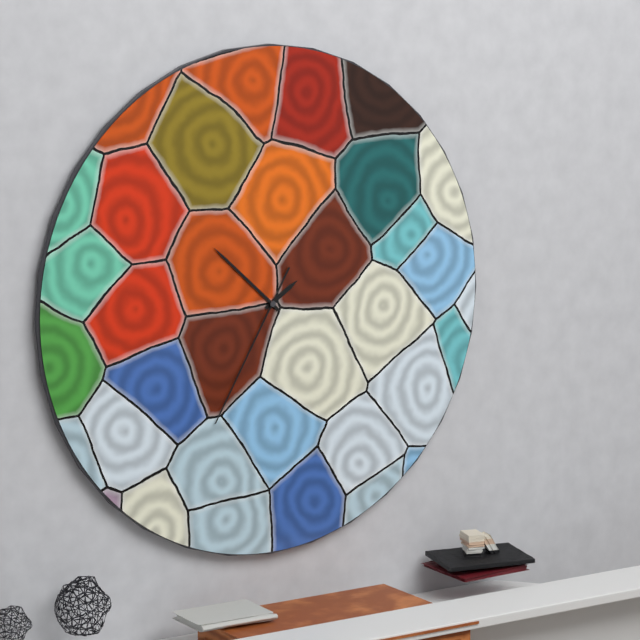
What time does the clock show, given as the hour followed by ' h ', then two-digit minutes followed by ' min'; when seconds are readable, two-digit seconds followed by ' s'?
1 h 52 min 35 s
